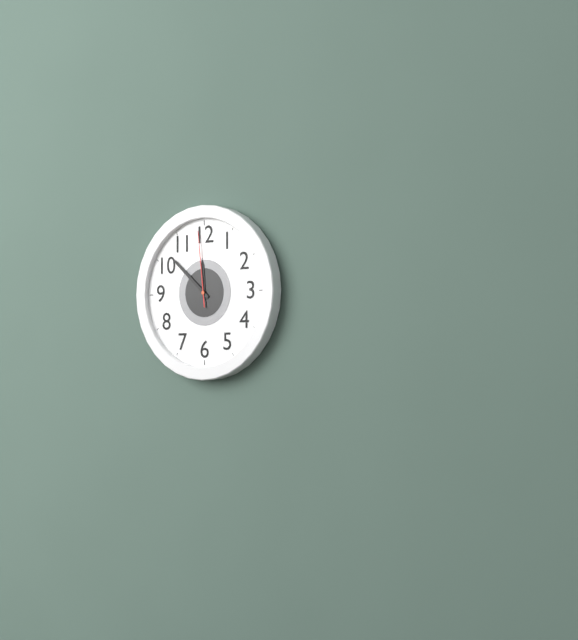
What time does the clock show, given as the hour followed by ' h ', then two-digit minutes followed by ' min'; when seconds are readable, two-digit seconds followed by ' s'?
11 h 52 min 59 s
